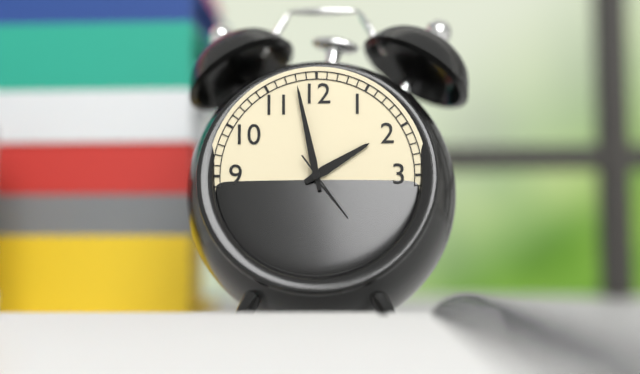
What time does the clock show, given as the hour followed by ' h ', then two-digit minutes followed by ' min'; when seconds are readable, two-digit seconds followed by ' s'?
1 h 58 min
